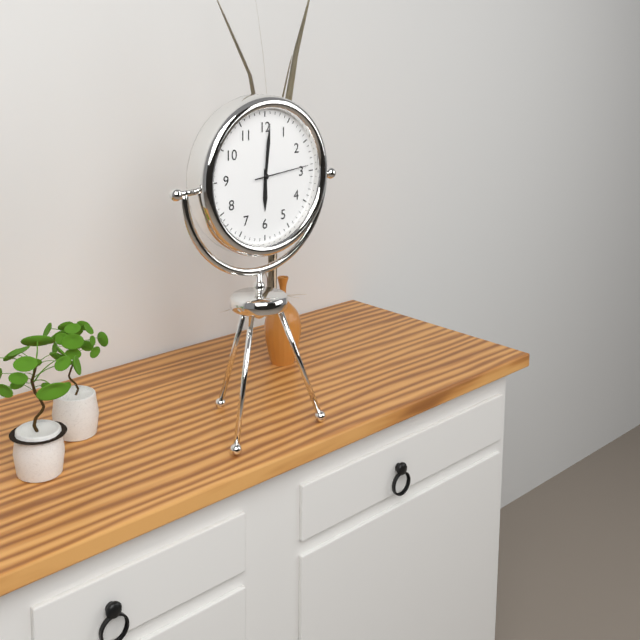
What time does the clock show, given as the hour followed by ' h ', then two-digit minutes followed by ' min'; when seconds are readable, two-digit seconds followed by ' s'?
6 h 01 min 14 s
